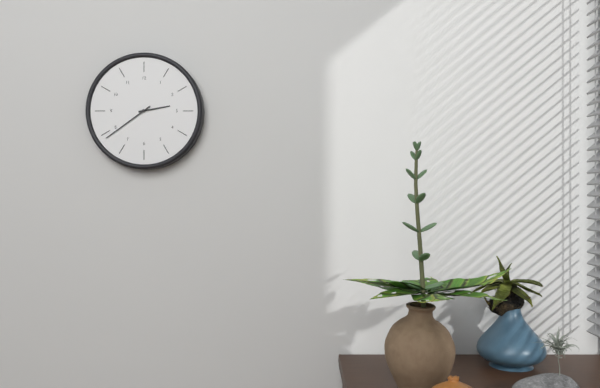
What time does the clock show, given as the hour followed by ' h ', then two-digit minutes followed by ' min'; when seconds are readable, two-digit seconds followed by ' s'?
2 h 39 min
